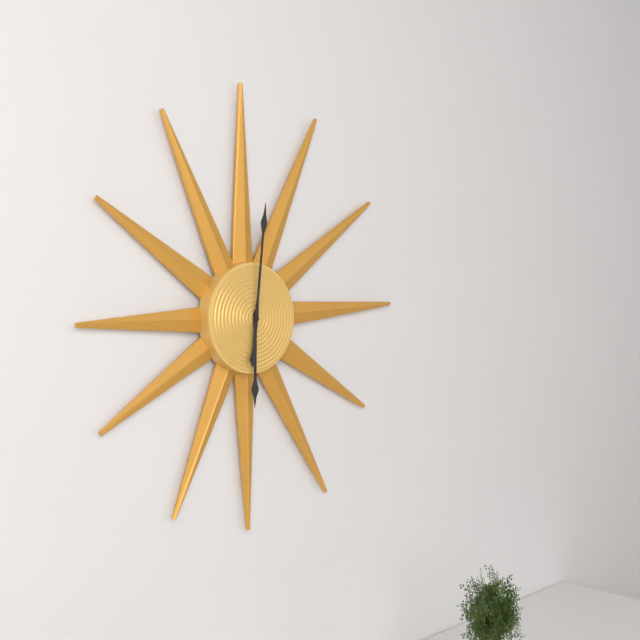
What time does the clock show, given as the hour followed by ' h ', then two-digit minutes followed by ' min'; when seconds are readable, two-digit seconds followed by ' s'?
6 h 01 min
